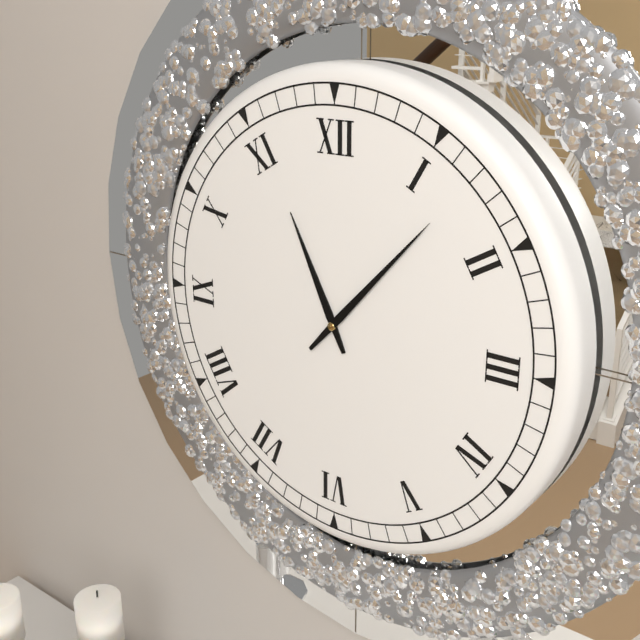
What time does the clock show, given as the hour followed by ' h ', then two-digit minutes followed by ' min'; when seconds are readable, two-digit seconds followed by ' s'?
11 h 07 min
